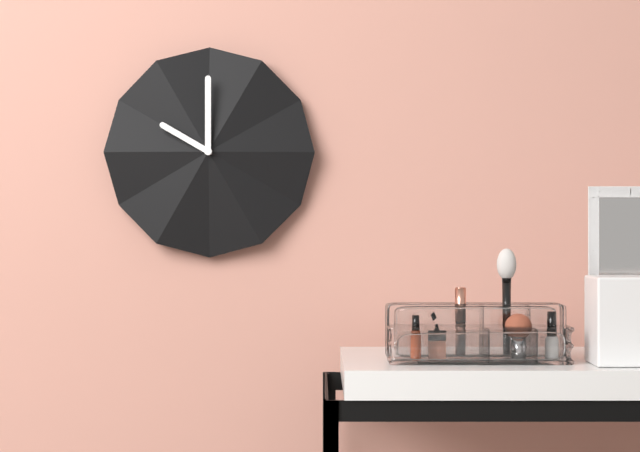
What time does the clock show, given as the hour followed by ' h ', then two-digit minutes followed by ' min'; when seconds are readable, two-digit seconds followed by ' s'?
10 h 00 min
